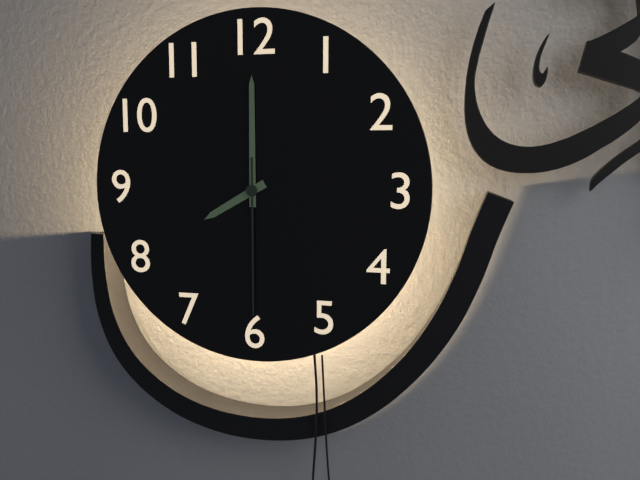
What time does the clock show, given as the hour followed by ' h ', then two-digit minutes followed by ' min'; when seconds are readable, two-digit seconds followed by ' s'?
8 h 00 min 30 s
